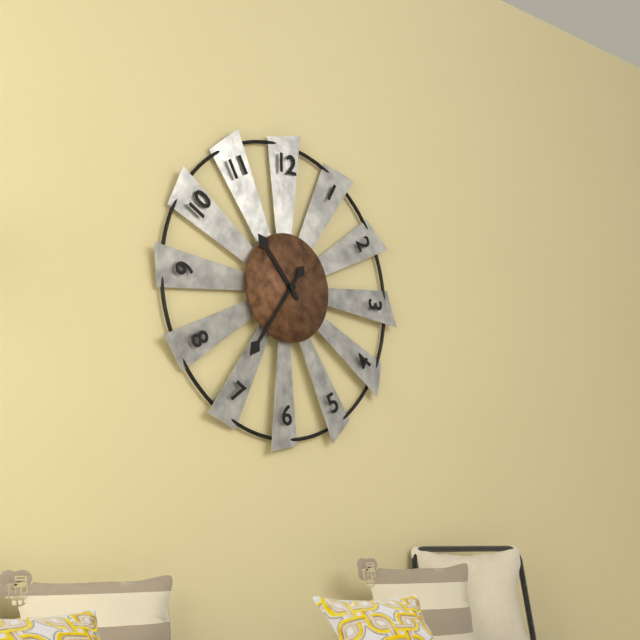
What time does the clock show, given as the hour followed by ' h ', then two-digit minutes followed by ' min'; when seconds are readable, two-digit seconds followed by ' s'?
10 h 36 min
